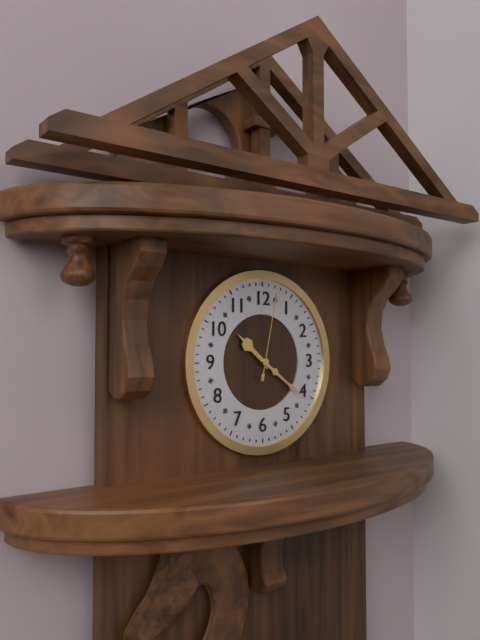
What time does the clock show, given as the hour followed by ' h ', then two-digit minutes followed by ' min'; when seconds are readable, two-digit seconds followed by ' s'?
10 h 21 min 02 s
